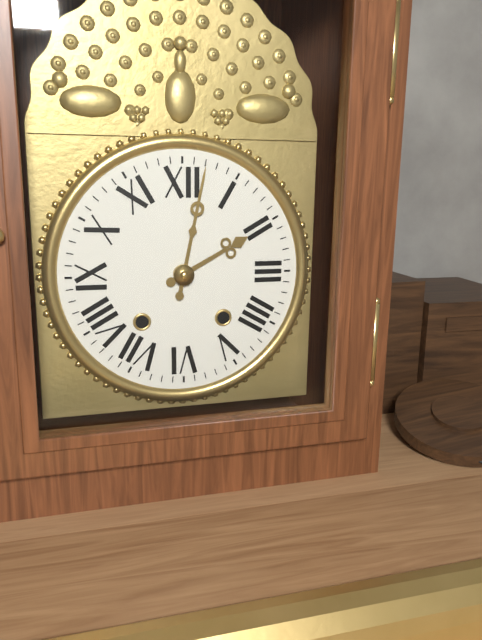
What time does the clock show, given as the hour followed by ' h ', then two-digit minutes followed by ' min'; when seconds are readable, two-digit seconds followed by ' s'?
2 h 02 min
